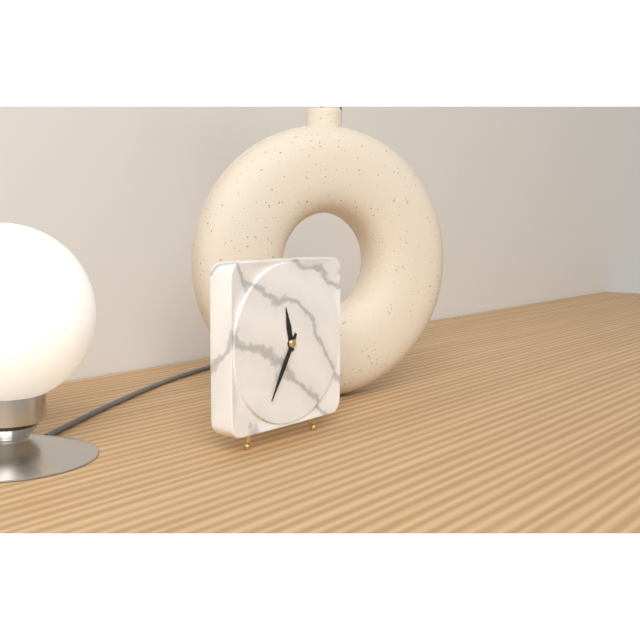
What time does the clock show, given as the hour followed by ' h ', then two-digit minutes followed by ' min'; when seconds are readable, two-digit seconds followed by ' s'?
11 h 35 min
